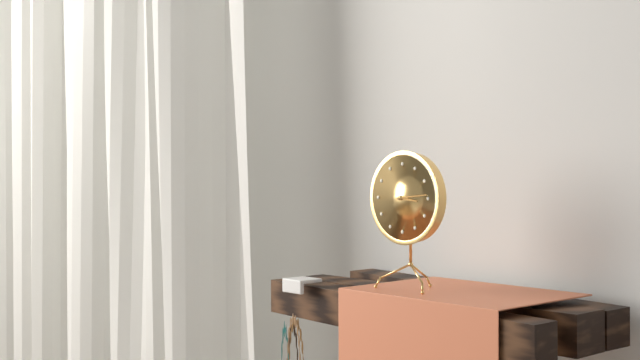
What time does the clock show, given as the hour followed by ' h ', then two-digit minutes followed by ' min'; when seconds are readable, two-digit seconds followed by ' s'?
3 h 14 min
